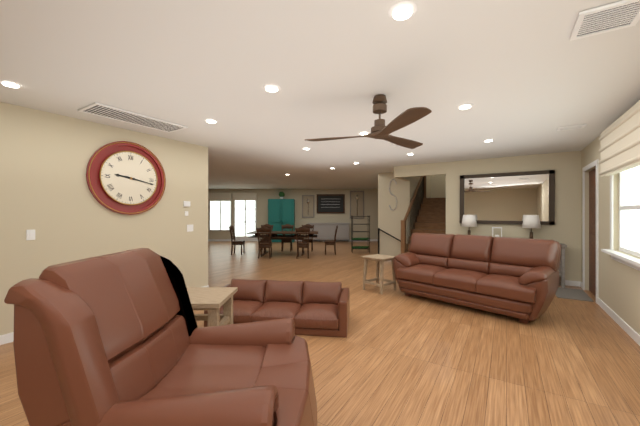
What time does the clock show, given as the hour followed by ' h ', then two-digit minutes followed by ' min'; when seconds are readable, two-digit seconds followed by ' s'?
9 h 17 min
